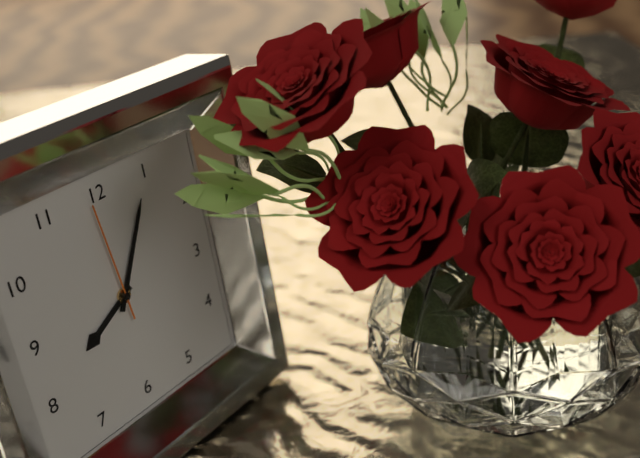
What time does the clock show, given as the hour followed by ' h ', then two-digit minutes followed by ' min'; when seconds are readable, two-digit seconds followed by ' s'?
8 h 05 min 59 s
